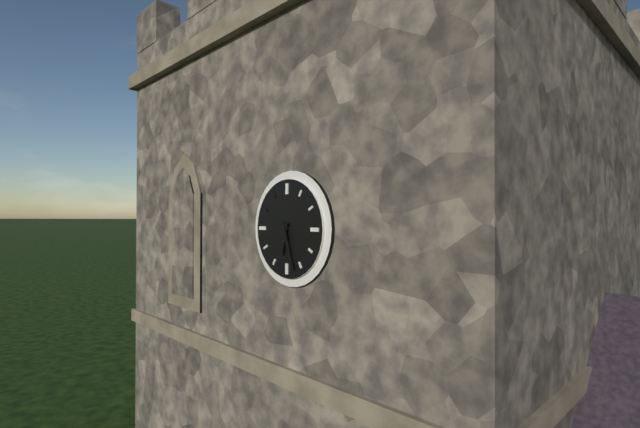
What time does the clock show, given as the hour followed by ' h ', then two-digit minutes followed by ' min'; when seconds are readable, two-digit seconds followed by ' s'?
6 h 27 min
